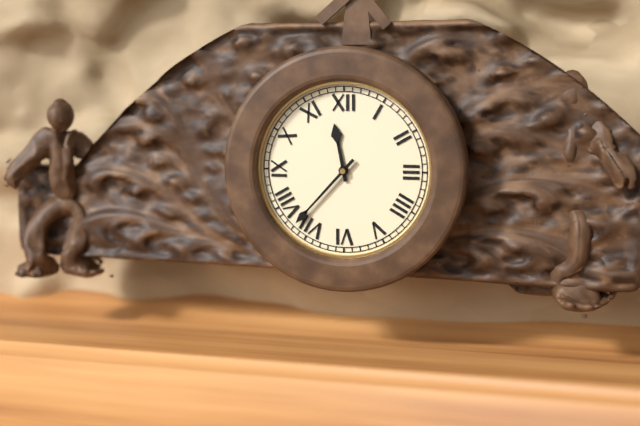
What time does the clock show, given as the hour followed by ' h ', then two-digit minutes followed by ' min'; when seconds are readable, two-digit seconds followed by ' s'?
11 h 37 min
